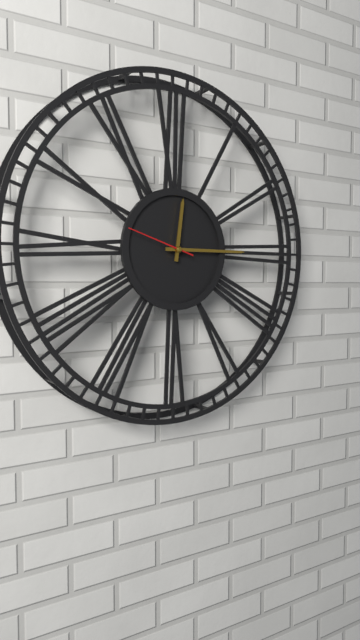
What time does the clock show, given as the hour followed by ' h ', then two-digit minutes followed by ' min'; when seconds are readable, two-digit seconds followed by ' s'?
12 h 15 min
